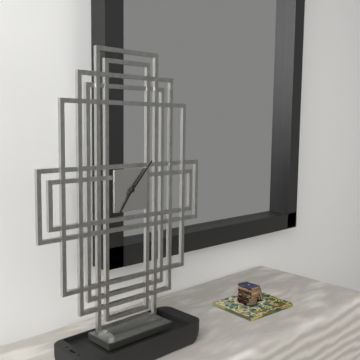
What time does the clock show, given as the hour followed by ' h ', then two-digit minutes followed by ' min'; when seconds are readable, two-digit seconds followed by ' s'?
7 h 07 min
